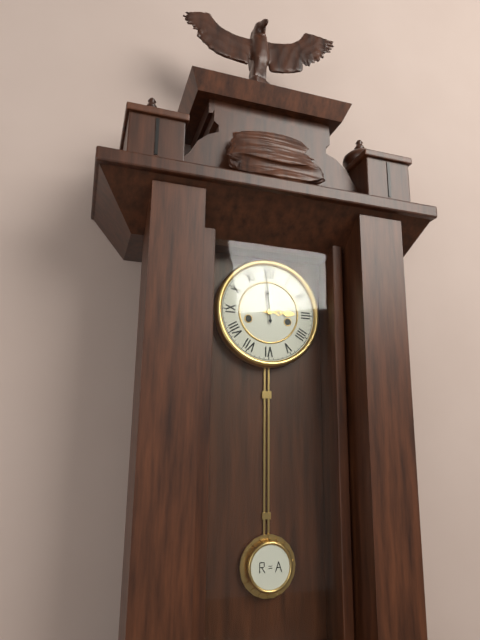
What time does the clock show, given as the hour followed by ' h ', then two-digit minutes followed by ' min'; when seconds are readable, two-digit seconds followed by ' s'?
2 h 59 min
